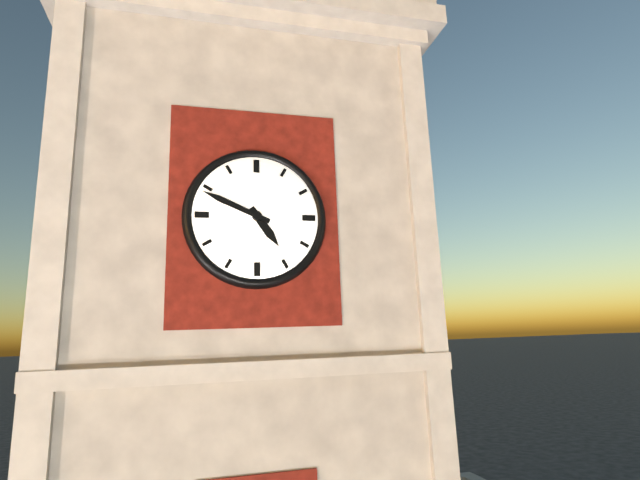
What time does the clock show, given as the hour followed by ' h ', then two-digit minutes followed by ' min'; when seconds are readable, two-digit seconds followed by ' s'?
4 h 49 min
